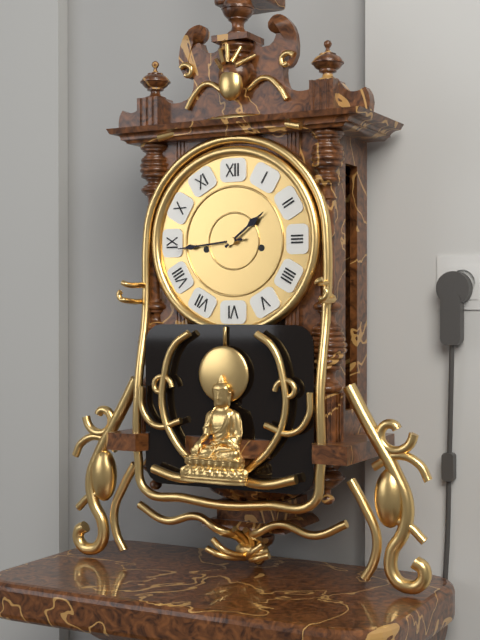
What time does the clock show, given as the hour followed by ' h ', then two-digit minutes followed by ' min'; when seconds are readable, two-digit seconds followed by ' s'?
1 h 44 min
